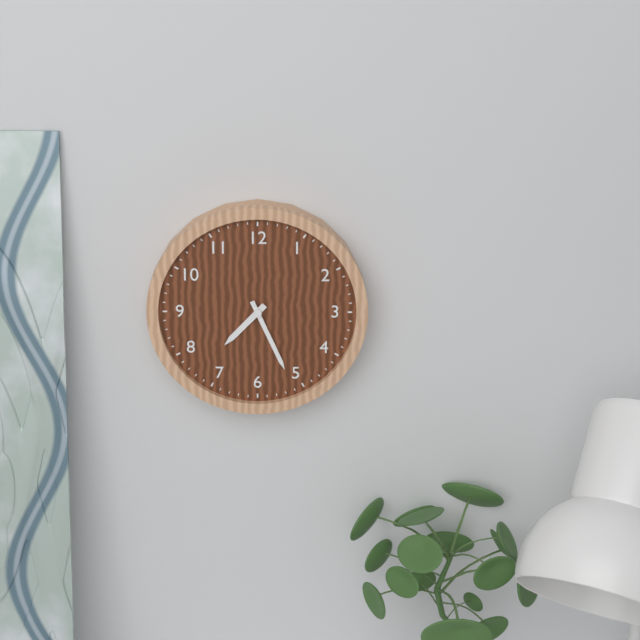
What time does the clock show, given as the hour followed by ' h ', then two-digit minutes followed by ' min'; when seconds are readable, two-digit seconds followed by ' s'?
7 h 26 min
